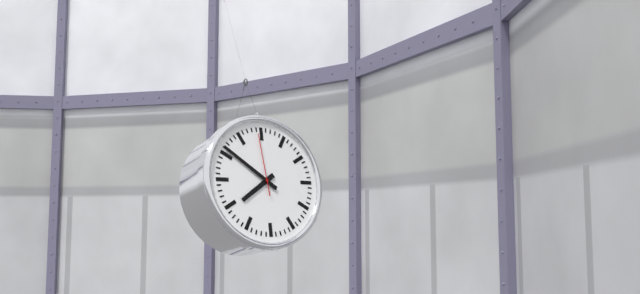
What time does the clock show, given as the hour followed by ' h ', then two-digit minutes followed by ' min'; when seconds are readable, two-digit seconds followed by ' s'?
7 h 51 min 59 s
